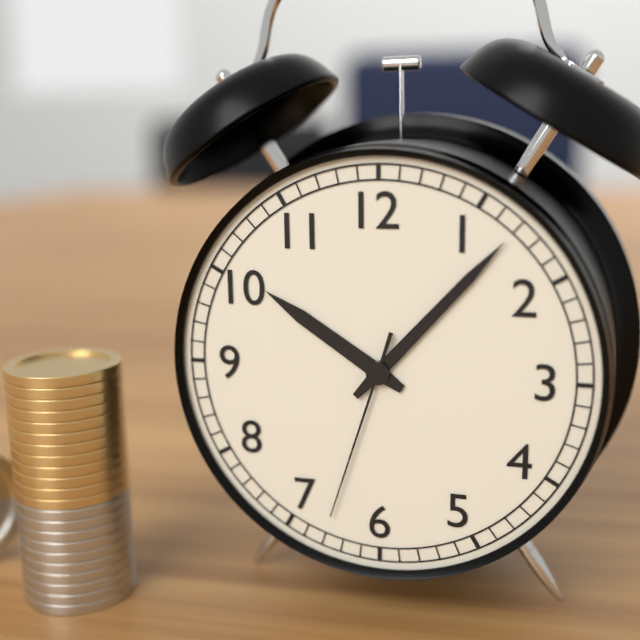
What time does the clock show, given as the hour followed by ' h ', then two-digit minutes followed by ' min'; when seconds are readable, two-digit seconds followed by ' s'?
10 h 07 min 33 s
